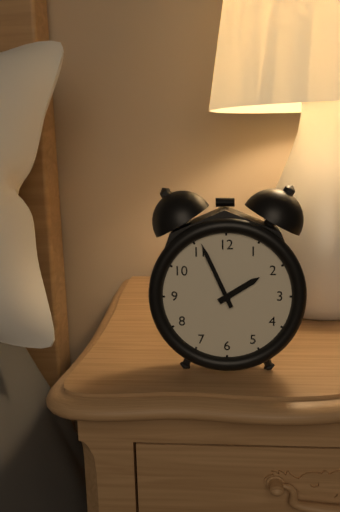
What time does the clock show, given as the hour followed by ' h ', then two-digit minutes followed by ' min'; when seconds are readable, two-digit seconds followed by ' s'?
1 h 56 min
